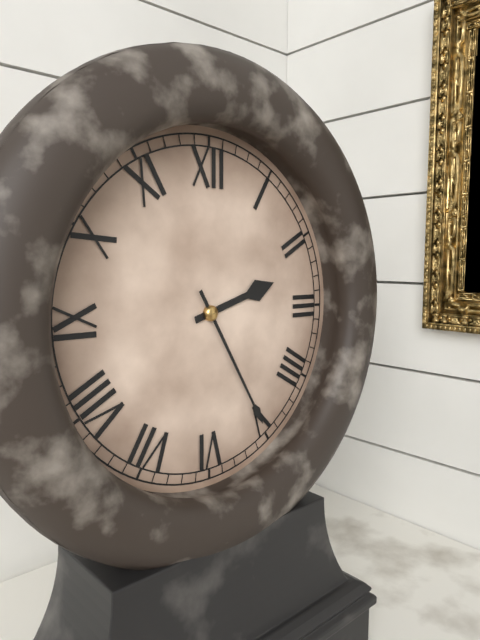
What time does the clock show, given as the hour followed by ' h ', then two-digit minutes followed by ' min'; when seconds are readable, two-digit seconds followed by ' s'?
2 h 25 min
